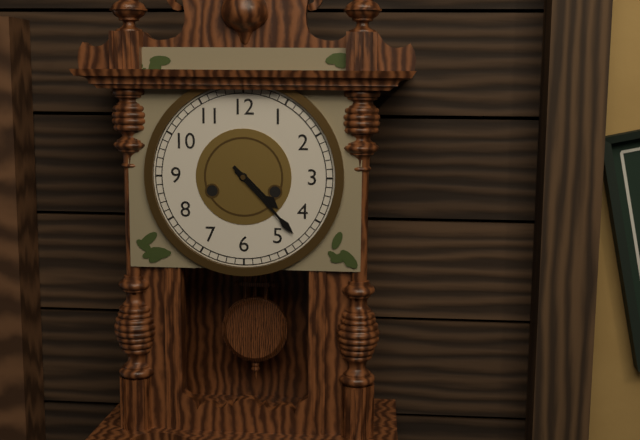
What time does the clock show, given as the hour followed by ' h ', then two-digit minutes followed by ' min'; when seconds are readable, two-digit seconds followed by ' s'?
4 h 23 min
